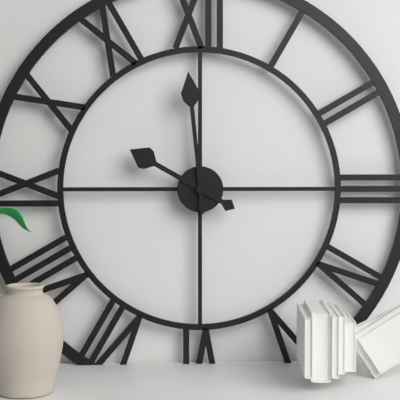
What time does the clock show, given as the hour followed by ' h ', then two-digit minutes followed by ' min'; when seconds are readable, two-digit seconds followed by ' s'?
9 h 59 min
